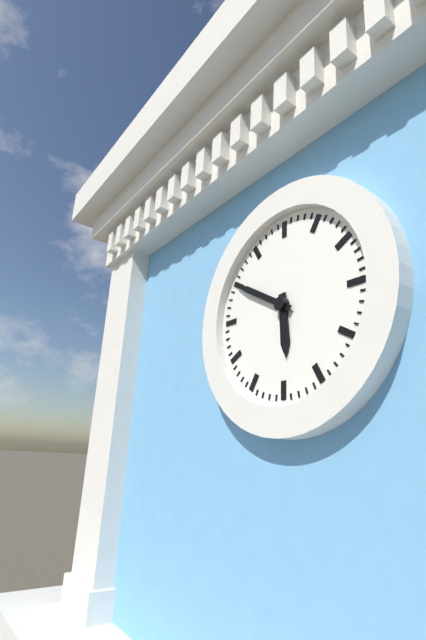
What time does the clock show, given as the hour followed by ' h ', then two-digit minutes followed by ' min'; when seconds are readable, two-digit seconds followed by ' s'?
5 h 50 min
